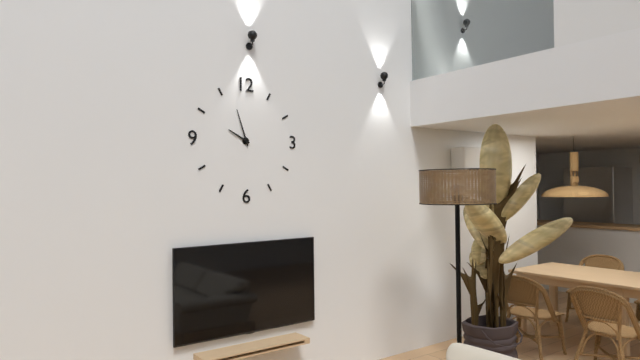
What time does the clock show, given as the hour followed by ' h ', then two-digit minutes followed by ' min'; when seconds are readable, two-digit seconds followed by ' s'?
9 h 57 min
